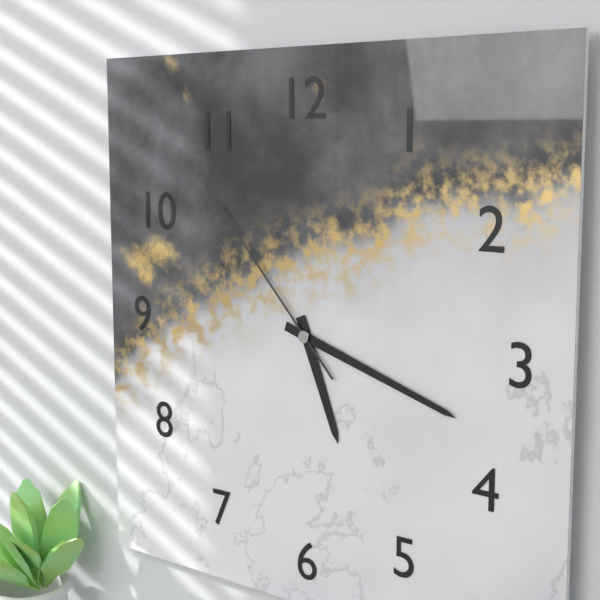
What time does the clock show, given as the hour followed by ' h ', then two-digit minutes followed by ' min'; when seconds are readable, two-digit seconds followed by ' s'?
5 h 18 min 53 s
